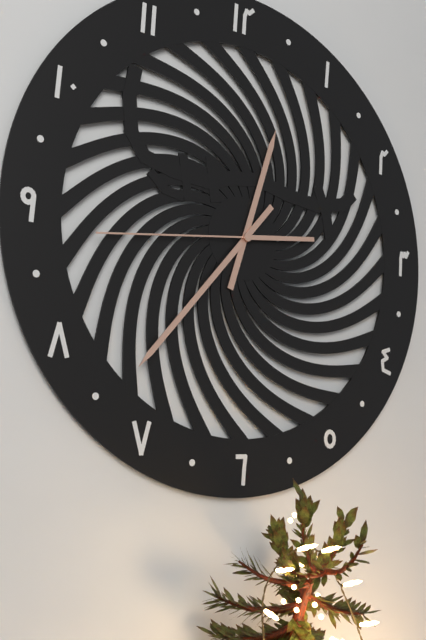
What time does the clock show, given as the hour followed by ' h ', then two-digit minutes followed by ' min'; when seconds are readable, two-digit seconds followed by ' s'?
12 h 37 min 44 s
